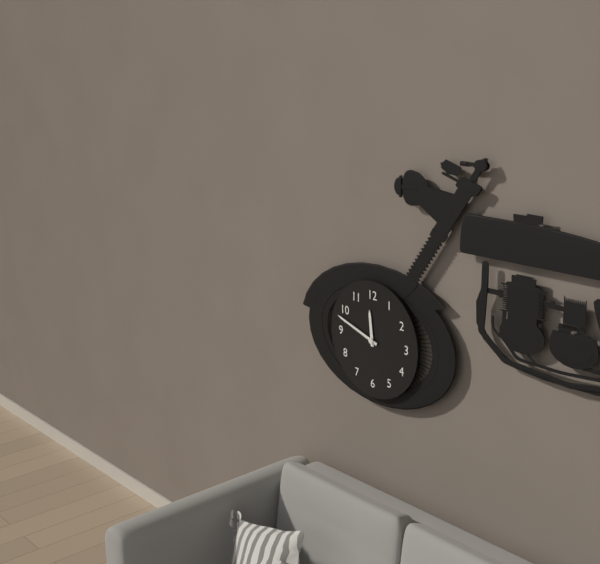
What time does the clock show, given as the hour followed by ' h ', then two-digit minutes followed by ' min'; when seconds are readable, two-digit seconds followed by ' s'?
11 h 48 min
